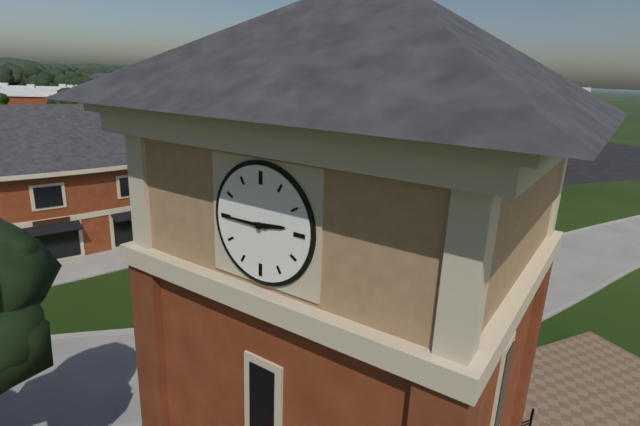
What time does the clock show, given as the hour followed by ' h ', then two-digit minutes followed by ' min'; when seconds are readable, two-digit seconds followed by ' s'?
2 h 45 min
